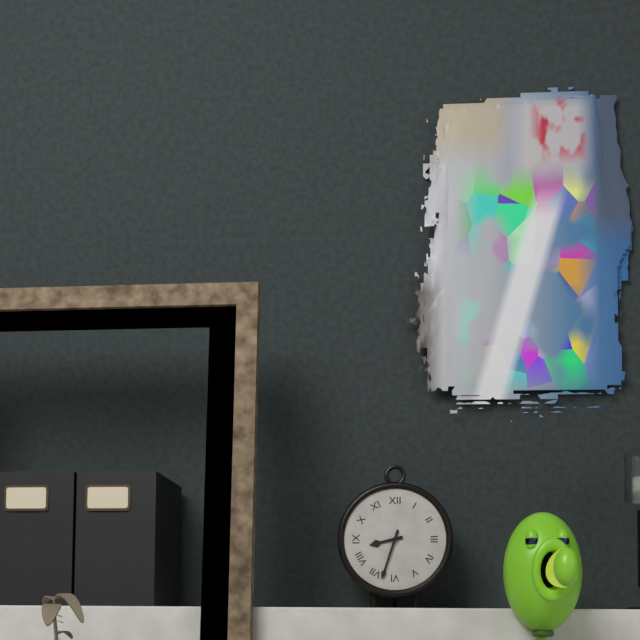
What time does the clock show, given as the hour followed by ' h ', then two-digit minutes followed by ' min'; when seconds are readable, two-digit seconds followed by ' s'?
8 h 33 min
